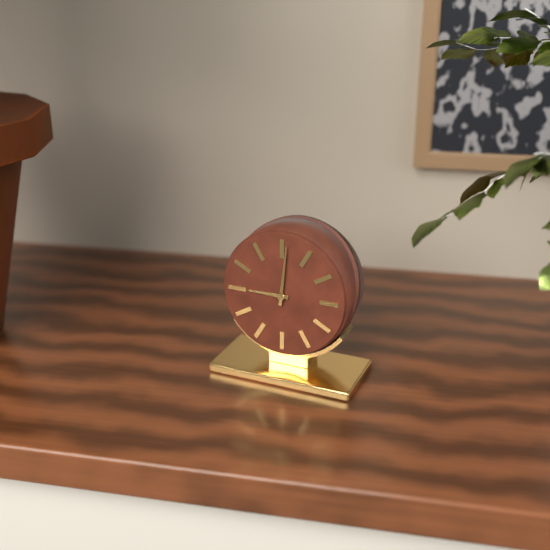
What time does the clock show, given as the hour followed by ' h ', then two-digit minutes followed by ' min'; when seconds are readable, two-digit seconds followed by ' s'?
9 h 01 min
